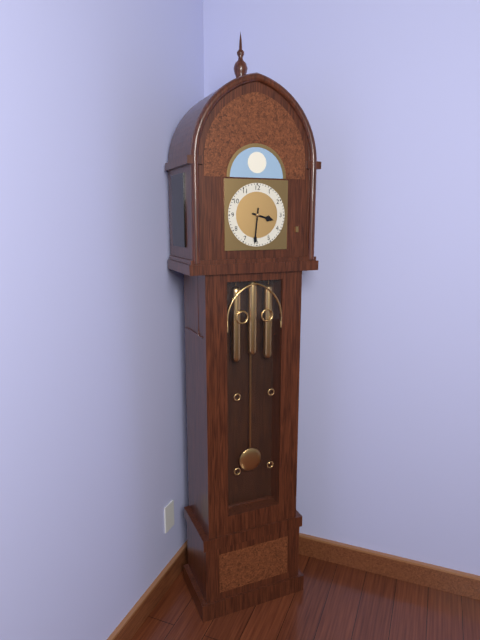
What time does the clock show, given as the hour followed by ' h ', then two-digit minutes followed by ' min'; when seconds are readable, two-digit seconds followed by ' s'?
3 h 31 min
